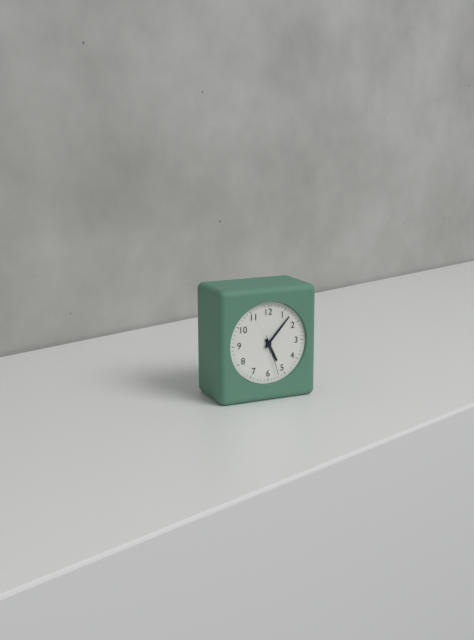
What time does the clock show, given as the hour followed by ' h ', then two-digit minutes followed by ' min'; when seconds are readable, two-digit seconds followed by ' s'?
5 h 07 min 27 s
